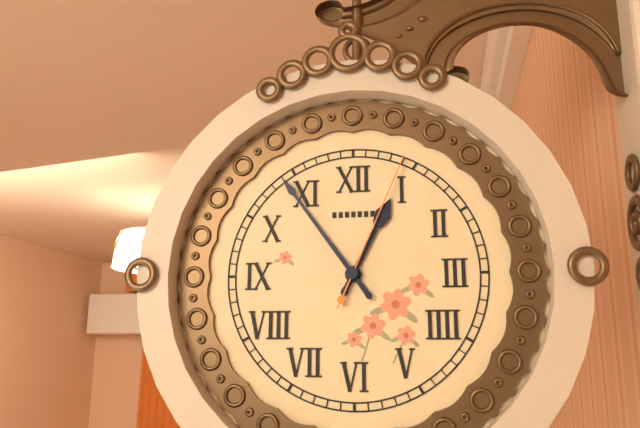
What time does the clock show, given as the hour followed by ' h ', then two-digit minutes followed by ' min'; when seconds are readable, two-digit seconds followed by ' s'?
12 h 54 min 04 s
